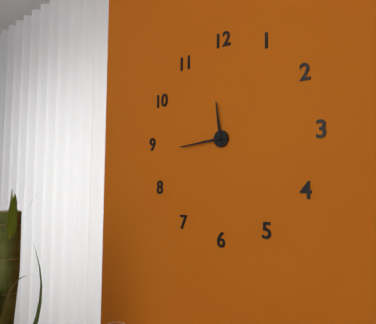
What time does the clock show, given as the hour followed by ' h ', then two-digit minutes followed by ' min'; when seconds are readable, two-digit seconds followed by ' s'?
11 h 44 min
